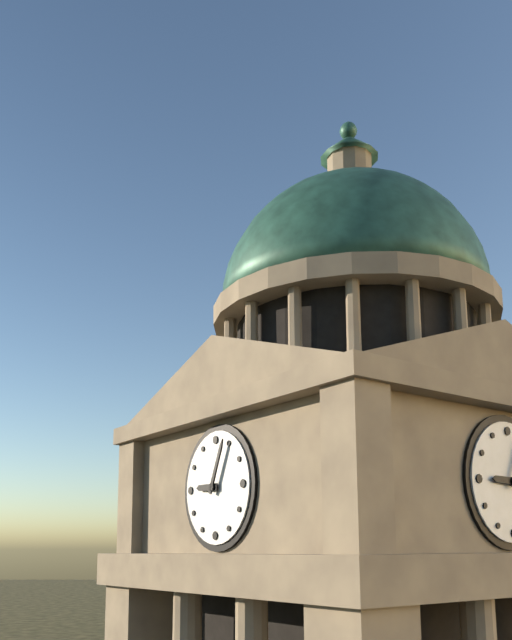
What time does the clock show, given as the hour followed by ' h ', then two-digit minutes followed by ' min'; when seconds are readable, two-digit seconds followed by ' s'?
9 h 04 min
